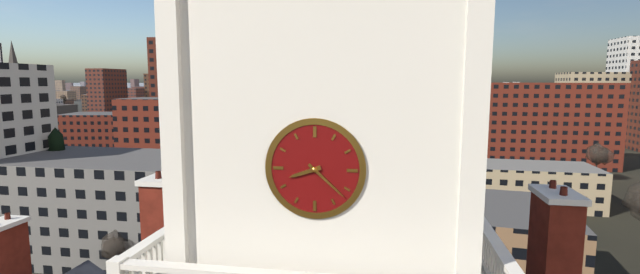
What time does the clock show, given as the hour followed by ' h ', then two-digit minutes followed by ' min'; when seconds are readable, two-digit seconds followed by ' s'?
8 h 22 min
